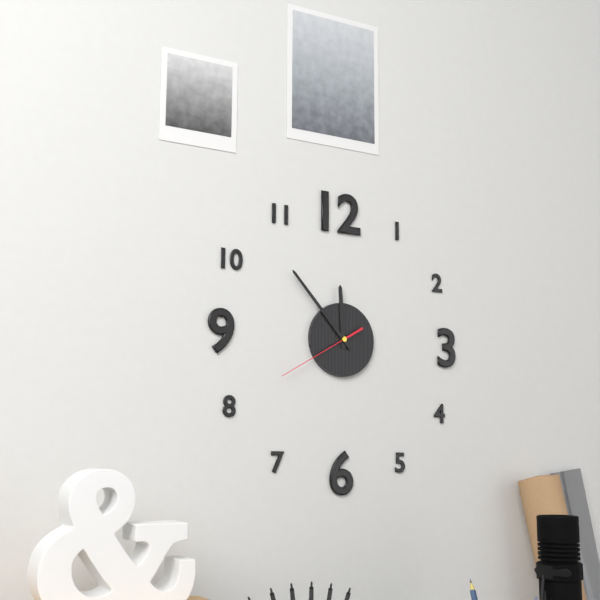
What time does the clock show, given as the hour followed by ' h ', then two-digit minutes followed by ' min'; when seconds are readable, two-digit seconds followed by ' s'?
11 h 53 min 40 s
